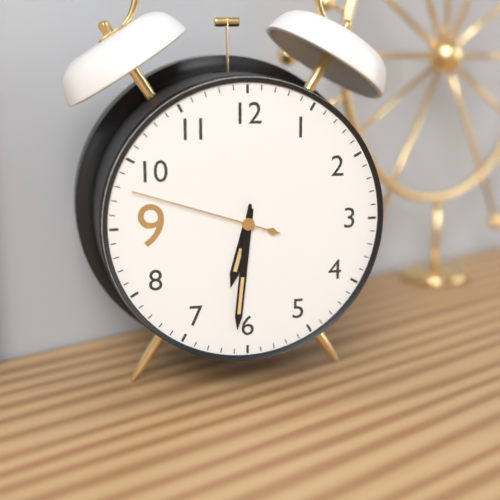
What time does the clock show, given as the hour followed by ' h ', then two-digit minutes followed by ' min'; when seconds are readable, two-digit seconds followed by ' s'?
6 h 31 min 48 s
